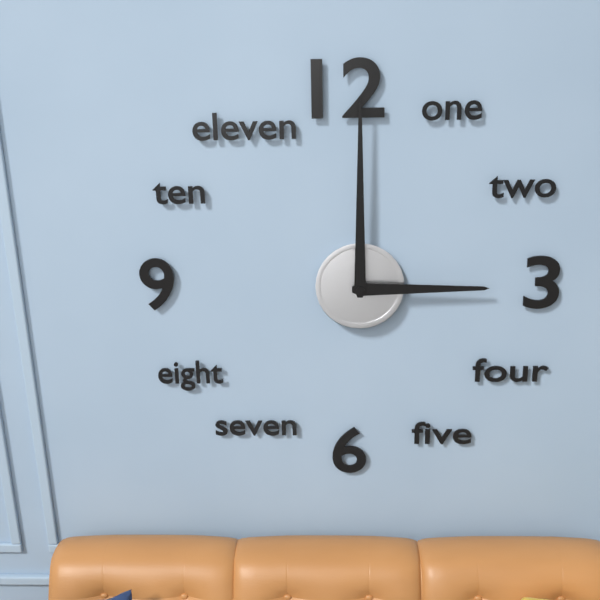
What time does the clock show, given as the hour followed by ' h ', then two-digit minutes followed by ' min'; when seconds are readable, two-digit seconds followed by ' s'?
3 h 00 min
